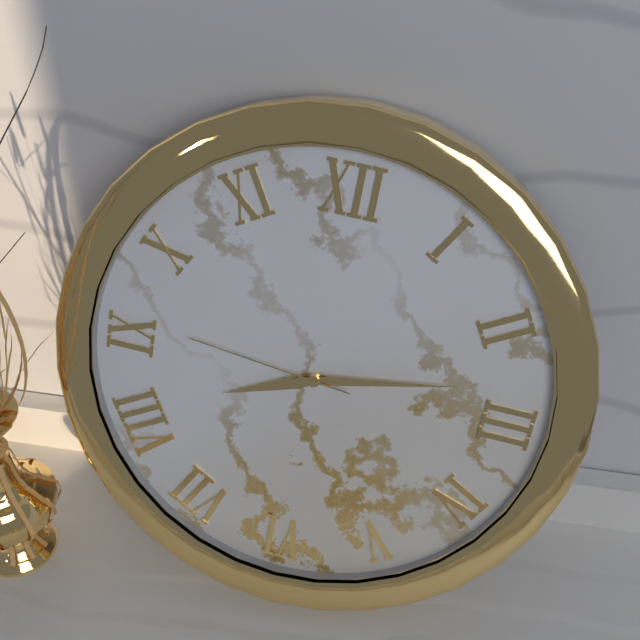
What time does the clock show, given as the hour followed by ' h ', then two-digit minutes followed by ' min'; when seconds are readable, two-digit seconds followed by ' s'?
8 h 13 min 46 s
